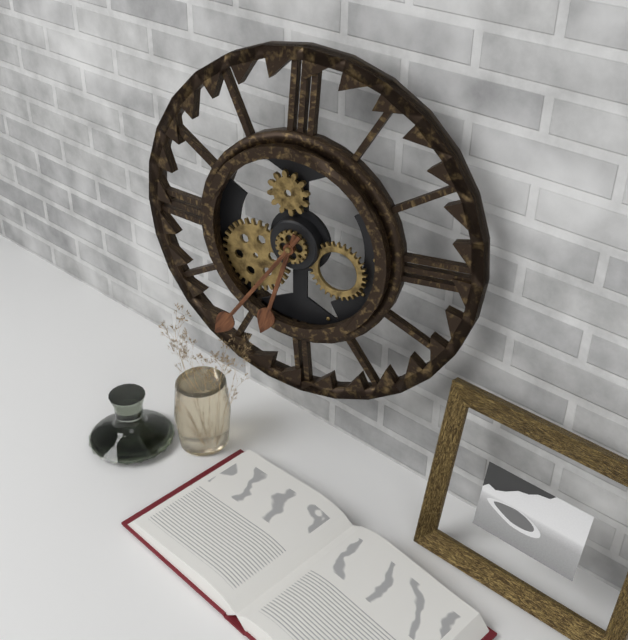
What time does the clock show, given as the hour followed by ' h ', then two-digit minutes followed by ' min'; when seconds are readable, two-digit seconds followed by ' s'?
6 h 36 min
